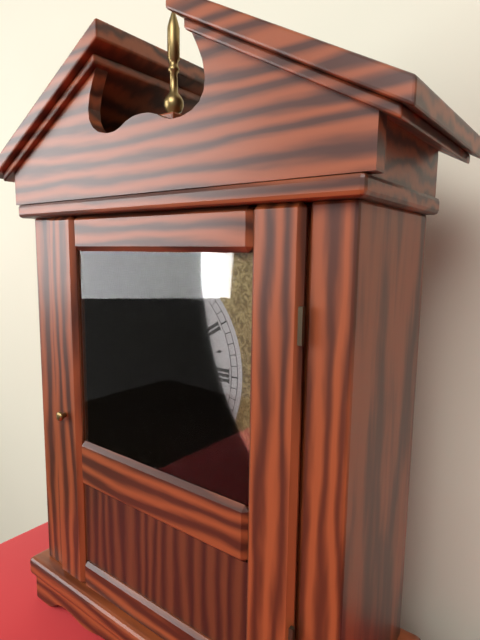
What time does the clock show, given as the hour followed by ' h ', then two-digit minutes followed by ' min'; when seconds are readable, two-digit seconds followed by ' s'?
5 h 32 min
